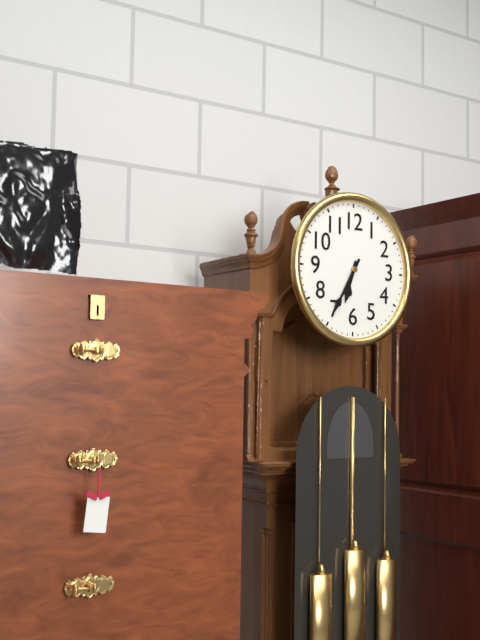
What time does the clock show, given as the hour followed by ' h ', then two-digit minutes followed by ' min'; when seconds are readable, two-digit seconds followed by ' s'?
6 h 35 min
